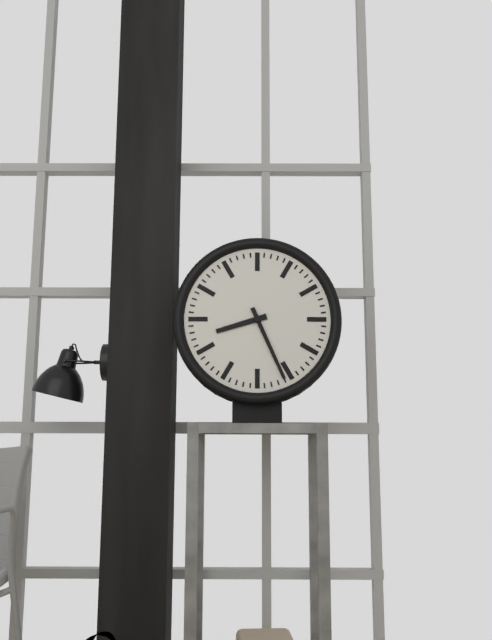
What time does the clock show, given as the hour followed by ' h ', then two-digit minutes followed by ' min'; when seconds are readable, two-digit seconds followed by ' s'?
8 h 26 min
